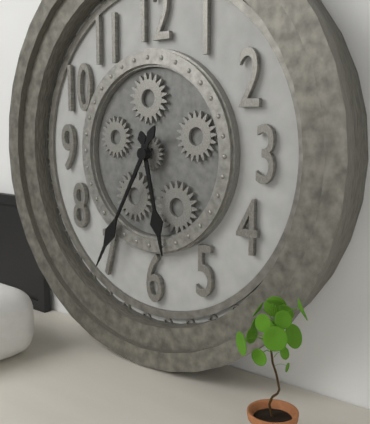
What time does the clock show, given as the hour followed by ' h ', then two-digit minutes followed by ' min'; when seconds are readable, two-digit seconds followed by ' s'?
5 h 35 min
